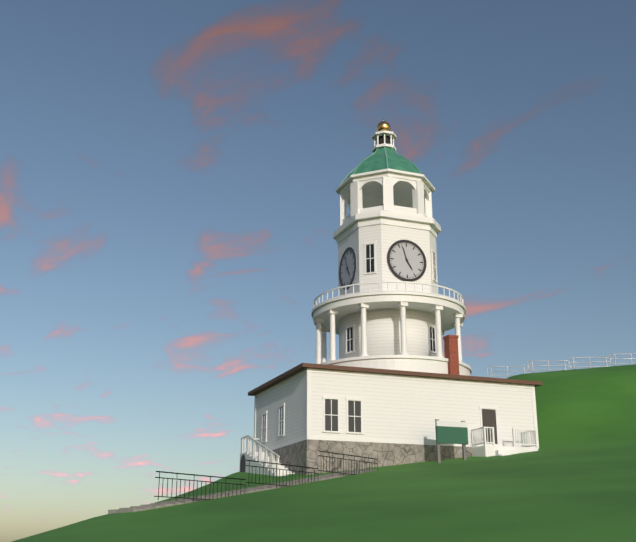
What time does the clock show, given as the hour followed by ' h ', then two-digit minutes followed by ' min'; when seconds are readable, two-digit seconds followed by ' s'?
4 h 57 min
